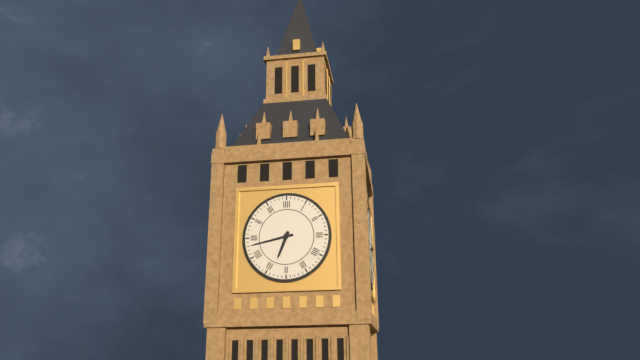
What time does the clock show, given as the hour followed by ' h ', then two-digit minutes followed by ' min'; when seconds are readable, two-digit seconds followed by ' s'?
6 h 43 min
